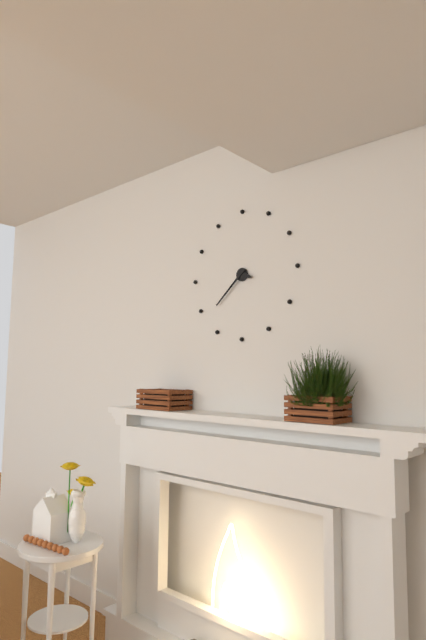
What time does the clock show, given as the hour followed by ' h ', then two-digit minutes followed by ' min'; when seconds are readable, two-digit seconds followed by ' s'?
3 h 38 min
